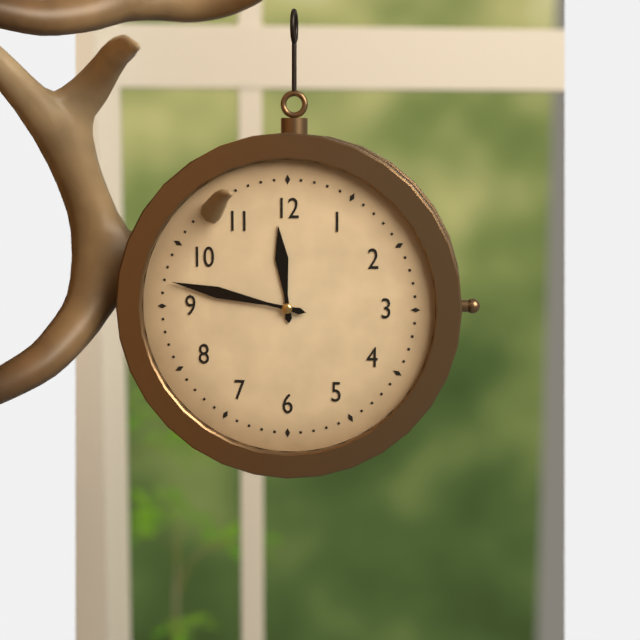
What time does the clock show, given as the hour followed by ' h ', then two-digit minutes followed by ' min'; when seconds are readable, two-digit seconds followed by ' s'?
11 h 47 min
